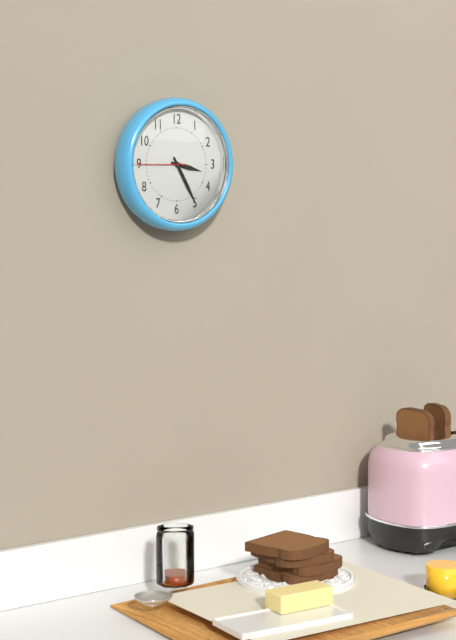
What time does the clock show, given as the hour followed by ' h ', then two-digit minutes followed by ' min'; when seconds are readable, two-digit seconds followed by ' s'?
3 h 25 min 45 s
